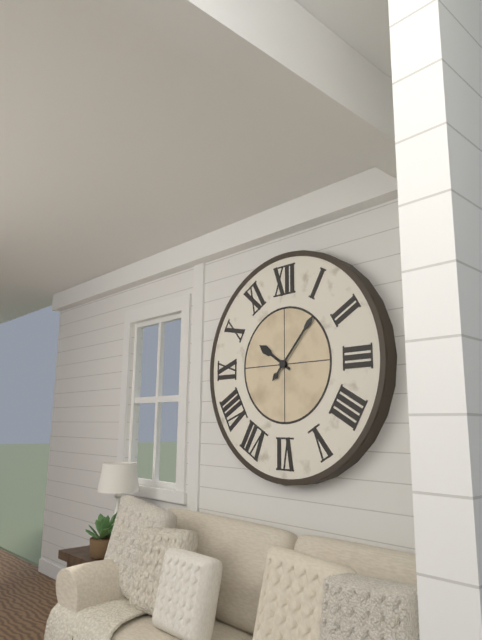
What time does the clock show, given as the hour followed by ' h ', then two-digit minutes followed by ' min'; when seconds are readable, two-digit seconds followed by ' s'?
10 h 07 min
